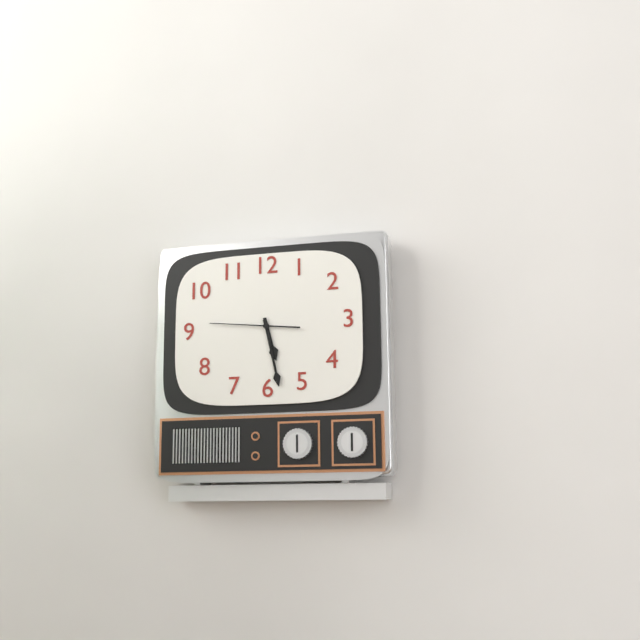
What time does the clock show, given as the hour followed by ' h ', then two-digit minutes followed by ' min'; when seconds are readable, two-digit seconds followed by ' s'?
5 h 28 min 46 s
